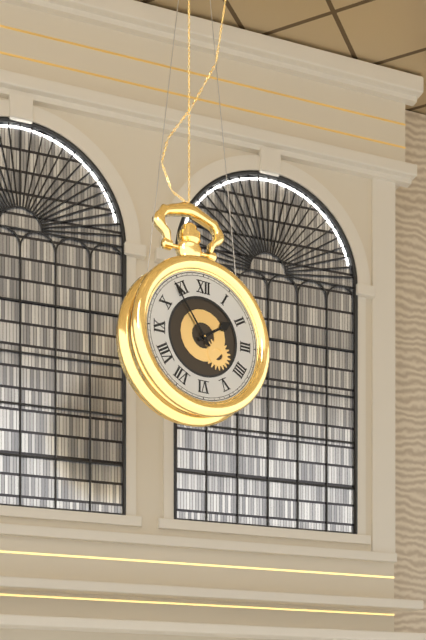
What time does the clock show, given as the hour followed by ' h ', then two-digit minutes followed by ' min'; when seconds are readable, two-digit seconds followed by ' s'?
1 h 54 min
